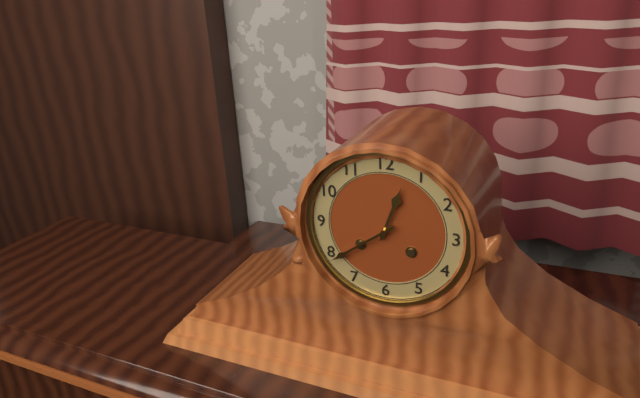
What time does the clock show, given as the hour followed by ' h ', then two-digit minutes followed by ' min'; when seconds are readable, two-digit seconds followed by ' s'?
12 h 39 min
